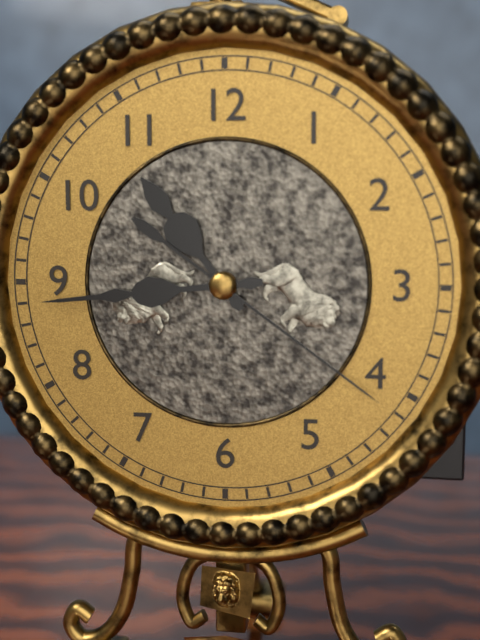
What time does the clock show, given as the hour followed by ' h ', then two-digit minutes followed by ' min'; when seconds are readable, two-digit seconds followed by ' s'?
10 h 44 min 21 s
